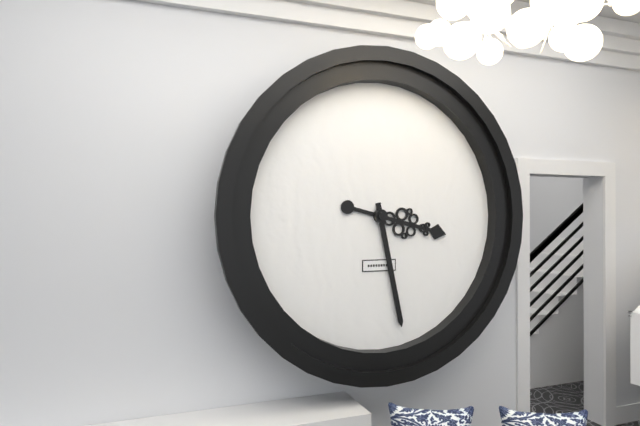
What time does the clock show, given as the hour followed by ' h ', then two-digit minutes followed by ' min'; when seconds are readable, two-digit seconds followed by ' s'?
3 h 28 min
